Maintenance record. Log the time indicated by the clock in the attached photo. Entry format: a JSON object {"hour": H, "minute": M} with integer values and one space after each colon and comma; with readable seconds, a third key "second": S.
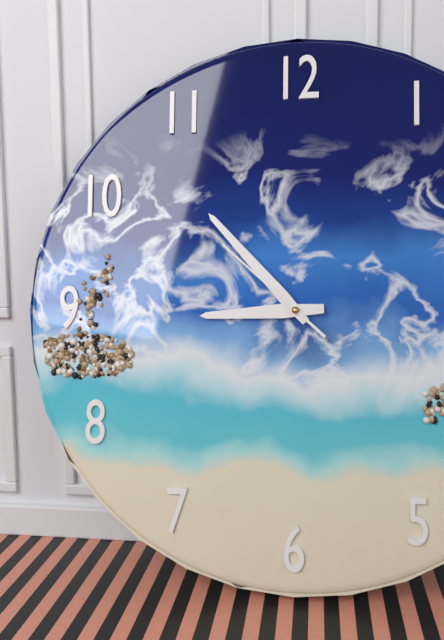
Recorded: {"hour": 8, "minute": 53, "second": 52}
